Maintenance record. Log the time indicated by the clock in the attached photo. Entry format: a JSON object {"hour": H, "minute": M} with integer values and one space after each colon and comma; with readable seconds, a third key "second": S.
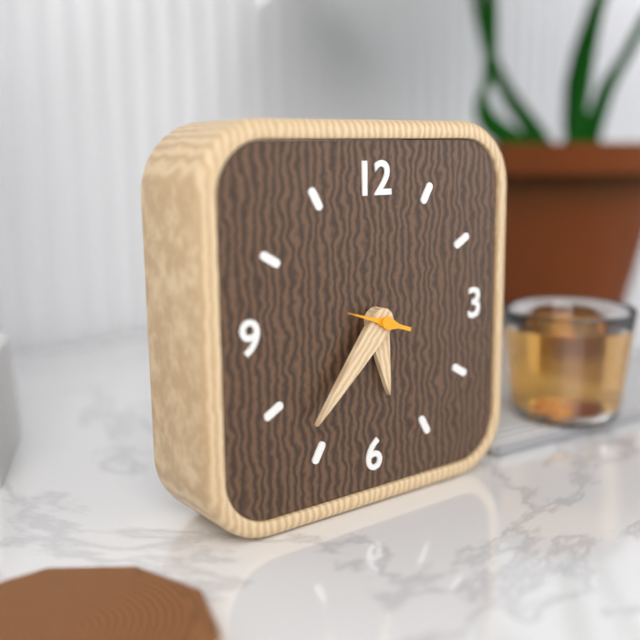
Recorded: {"hour": 5, "minute": 37, "second": 48}
